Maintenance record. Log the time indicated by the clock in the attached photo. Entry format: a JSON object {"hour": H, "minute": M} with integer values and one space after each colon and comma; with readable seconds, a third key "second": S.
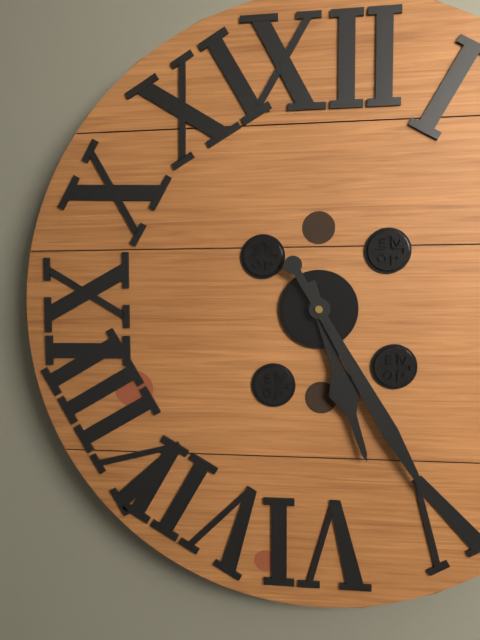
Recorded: {"hour": 5, "minute": 25}
